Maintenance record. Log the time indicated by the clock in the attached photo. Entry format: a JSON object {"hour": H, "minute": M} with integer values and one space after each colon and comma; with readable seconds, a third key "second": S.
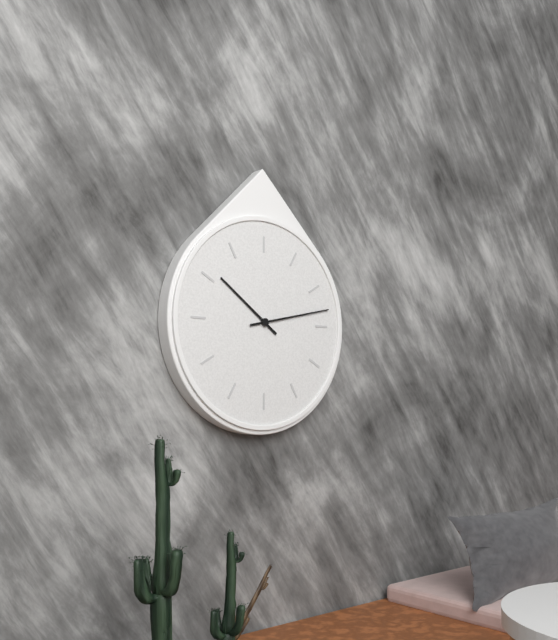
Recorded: {"hour": 10, "minute": 13}
